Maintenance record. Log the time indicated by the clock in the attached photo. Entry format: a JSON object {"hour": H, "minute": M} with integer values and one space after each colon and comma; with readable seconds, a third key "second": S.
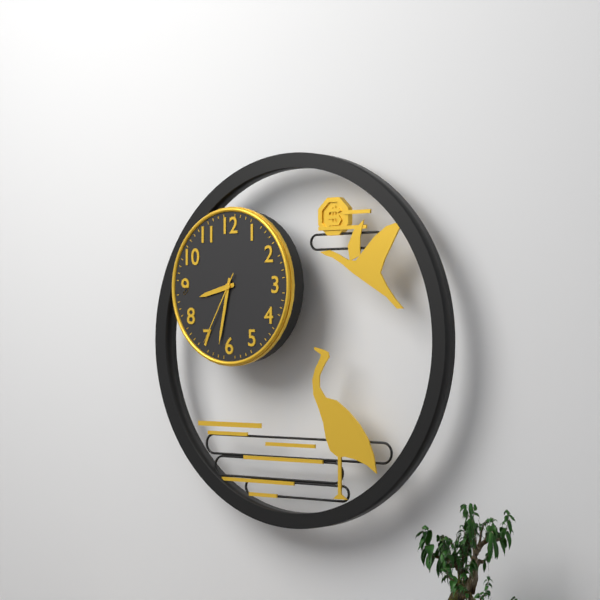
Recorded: {"hour": 8, "minute": 32, "second": 35}
